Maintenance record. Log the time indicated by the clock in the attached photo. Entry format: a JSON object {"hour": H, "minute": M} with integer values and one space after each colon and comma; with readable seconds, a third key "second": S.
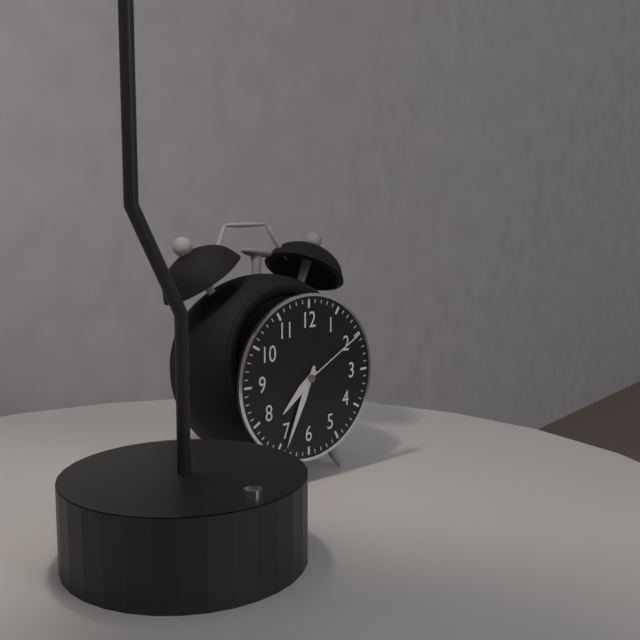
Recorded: {"hour": 7, "minute": 34, "second": 10}
